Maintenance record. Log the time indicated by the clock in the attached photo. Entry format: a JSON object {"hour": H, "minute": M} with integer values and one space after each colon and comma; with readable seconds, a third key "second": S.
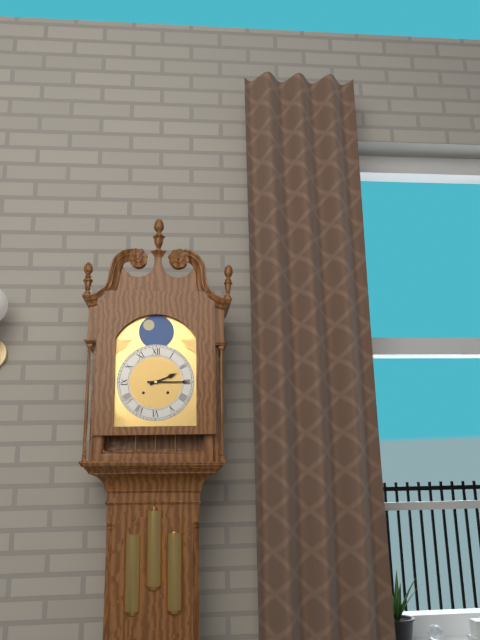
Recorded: {"hour": 2, "minute": 15}
